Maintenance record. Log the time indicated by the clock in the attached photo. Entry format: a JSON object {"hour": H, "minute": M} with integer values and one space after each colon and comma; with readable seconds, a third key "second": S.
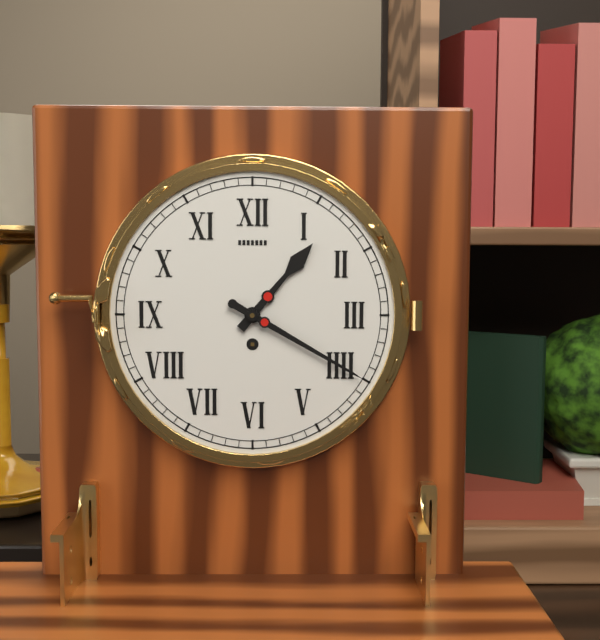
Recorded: {"hour": 1, "minute": 20}
